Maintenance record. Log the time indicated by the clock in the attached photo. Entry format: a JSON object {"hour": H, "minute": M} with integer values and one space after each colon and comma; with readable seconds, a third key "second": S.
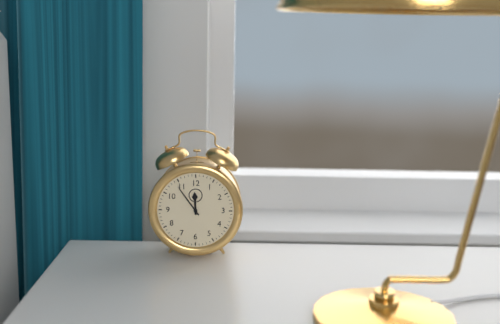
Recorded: {"hour": 11, "minute": 54}
